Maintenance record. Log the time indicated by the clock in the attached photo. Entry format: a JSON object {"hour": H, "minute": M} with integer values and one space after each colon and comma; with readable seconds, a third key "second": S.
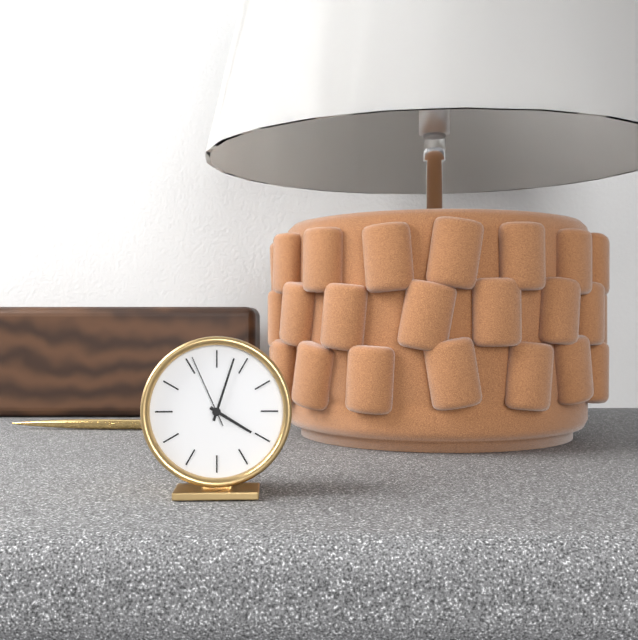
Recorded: {"hour": 4, "minute": 3, "second": 56}
